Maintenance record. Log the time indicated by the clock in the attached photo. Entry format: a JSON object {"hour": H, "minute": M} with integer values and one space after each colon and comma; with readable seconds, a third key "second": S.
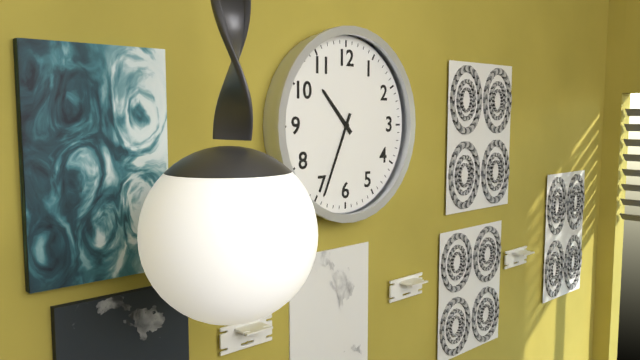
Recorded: {"hour": 10, "minute": 34}
